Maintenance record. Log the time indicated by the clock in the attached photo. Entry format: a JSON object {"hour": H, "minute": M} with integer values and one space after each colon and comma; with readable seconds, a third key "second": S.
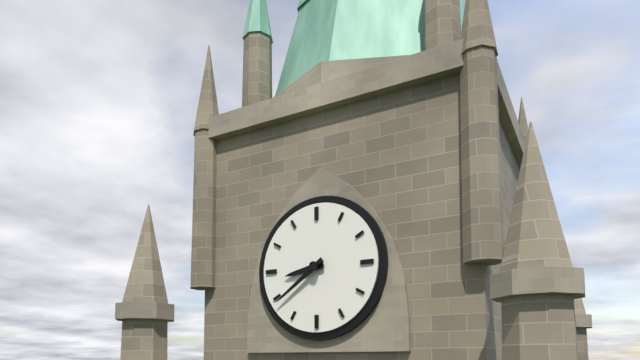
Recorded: {"hour": 8, "minute": 39}
